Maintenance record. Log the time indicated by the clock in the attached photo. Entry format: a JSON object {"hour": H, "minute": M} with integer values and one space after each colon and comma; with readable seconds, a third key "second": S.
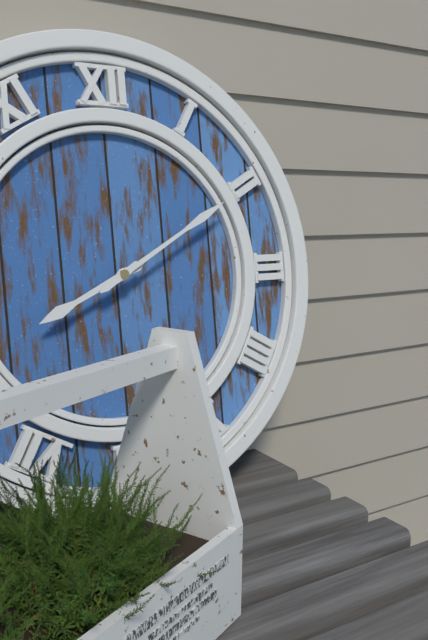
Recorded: {"hour": 8, "minute": 10}
